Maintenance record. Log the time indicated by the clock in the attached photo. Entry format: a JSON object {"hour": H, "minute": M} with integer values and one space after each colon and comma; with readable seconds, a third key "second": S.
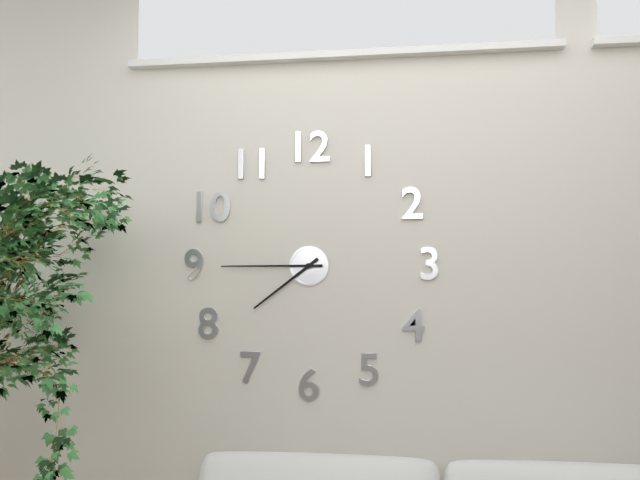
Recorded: {"hour": 7, "minute": 45}
